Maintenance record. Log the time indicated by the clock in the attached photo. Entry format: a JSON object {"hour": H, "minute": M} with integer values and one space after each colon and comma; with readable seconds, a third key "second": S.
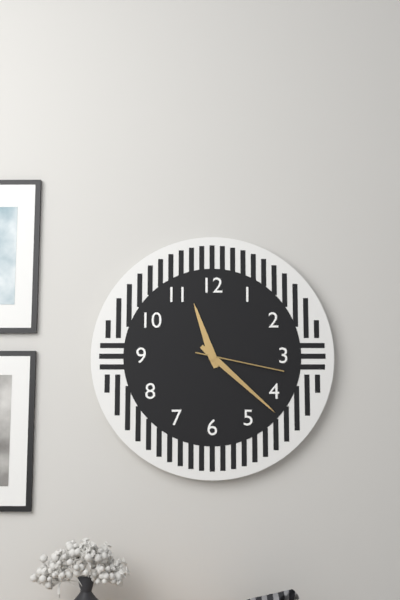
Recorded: {"hour": 11, "minute": 22, "second": 17}
